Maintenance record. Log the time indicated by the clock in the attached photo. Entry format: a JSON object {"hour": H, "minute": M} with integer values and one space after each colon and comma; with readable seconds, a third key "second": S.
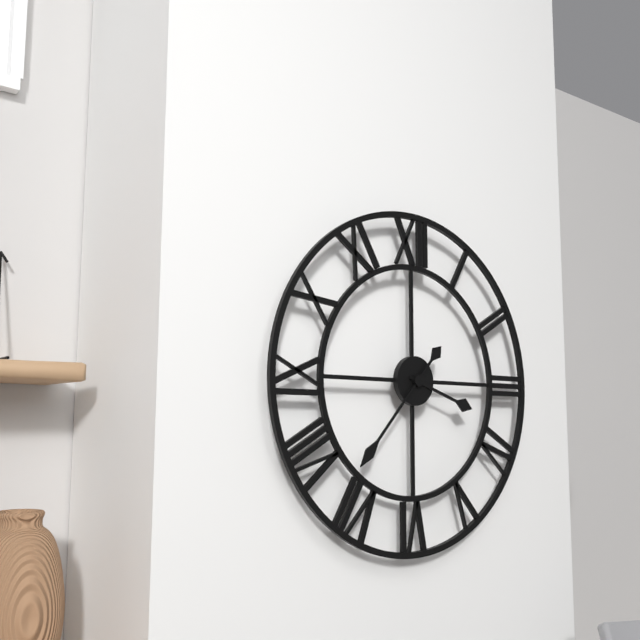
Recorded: {"hour": 3, "minute": 37}
